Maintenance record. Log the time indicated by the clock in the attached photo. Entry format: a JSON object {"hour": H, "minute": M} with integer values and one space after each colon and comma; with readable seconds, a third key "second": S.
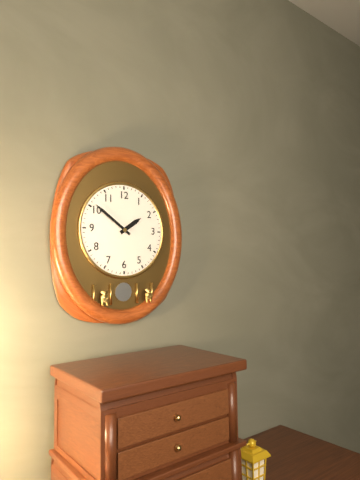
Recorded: {"hour": 1, "minute": 51}
